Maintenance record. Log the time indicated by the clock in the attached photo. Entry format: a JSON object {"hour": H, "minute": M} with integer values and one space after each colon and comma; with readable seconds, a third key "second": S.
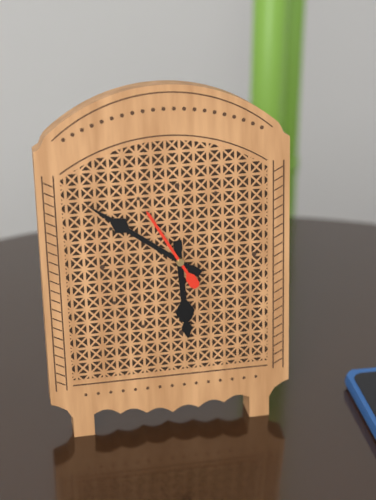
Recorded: {"hour": 5, "minute": 51, "second": 55}
